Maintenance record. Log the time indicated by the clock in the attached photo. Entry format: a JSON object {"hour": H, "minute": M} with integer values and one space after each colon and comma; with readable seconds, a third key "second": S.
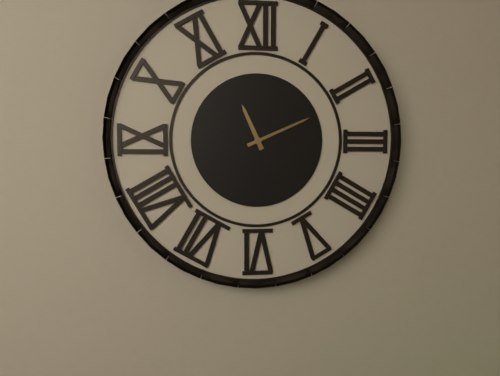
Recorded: {"hour": 11, "minute": 11}
